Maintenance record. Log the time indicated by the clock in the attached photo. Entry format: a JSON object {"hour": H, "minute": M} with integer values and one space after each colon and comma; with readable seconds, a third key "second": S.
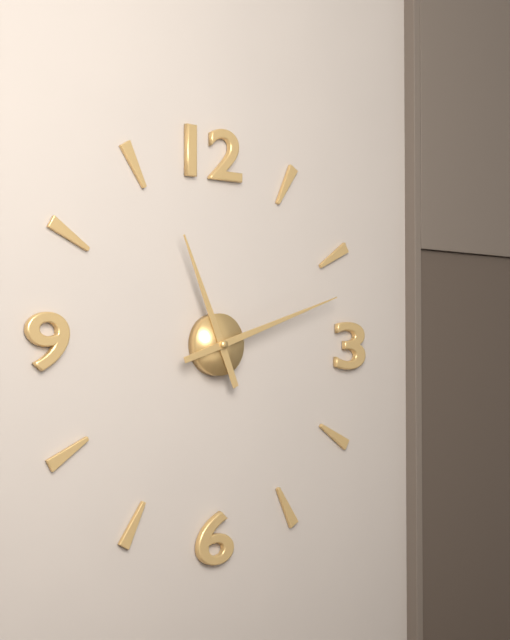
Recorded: {"hour": 11, "minute": 12}
